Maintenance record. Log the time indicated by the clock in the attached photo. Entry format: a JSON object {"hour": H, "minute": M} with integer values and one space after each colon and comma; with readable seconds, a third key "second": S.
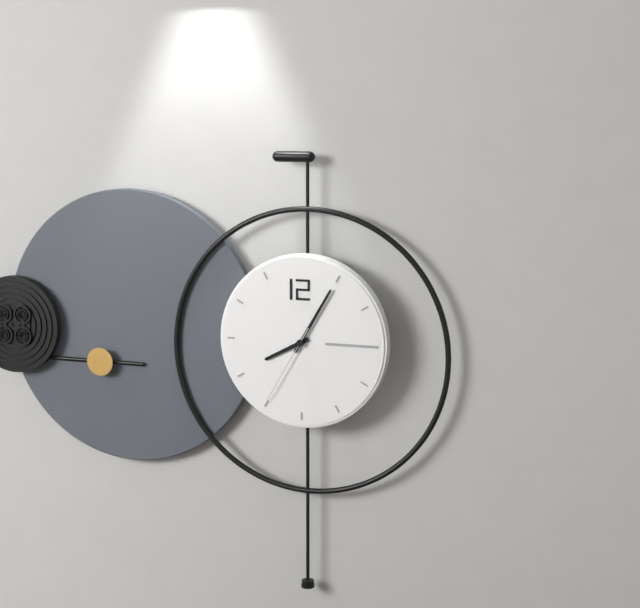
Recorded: {"hour": 8, "minute": 5, "second": 35}
